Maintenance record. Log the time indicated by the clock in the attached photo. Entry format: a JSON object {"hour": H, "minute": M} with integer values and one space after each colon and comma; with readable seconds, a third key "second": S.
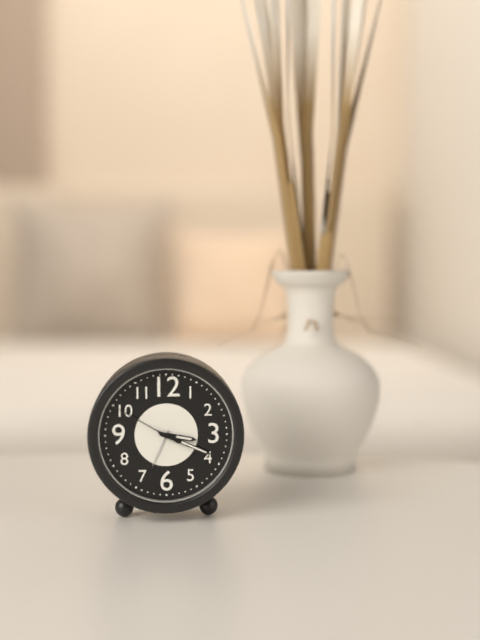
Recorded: {"hour": 3, "minute": 19, "second": 50}
